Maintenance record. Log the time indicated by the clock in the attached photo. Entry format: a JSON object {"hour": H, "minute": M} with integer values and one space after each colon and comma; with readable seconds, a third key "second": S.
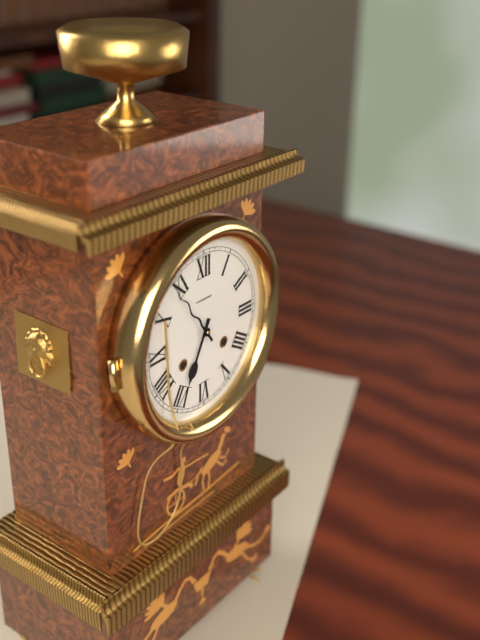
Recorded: {"hour": 6, "minute": 54}
